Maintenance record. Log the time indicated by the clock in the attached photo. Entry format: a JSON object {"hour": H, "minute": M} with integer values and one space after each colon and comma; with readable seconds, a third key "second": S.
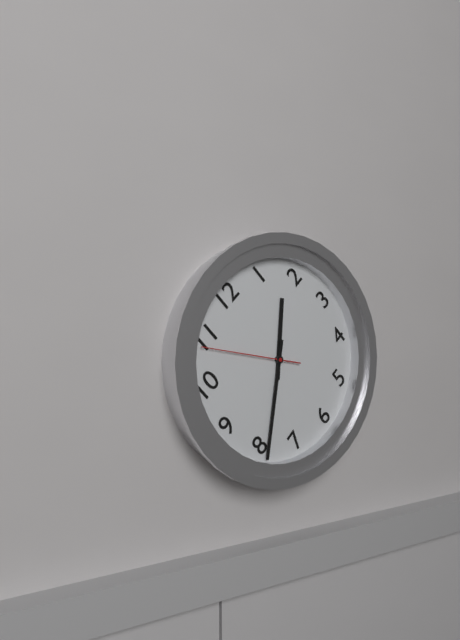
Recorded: {"hour": 1, "minute": 39, "second": 54}
